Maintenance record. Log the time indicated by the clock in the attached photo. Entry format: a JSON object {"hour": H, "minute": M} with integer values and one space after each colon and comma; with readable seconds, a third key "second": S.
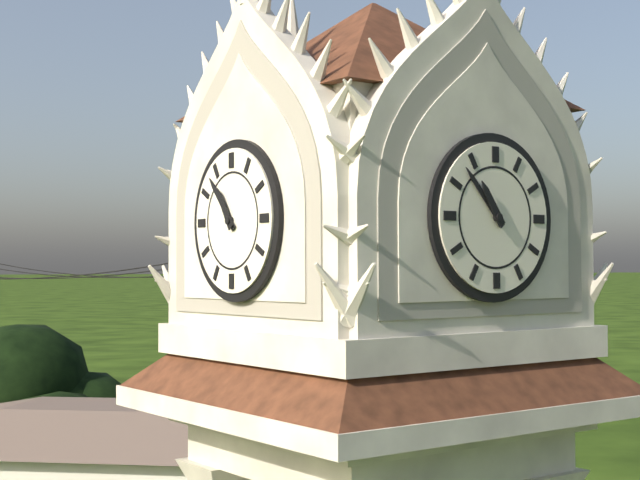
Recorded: {"hour": 10, "minute": 53}
